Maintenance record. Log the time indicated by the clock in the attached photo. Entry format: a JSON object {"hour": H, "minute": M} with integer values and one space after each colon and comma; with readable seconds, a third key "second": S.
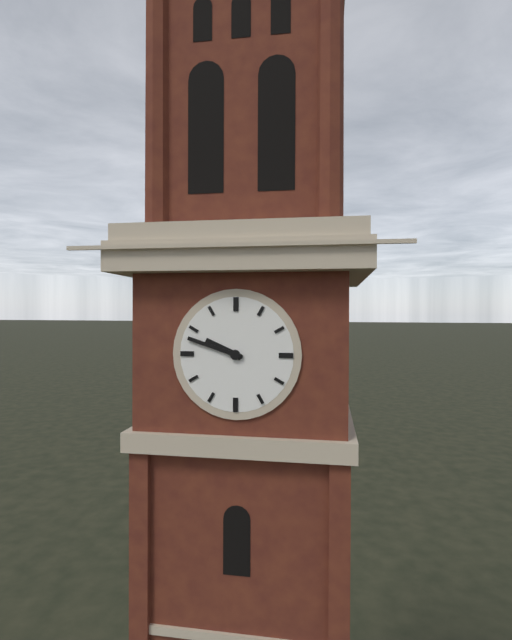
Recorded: {"hour": 9, "minute": 48}
